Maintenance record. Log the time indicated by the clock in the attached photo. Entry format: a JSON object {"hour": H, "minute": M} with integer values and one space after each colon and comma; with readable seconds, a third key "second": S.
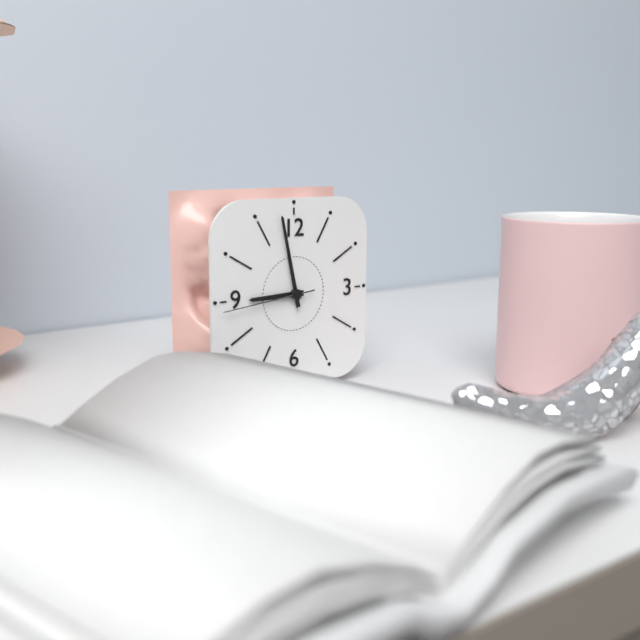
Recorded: {"hour": 8, "minute": 58, "second": 44}
